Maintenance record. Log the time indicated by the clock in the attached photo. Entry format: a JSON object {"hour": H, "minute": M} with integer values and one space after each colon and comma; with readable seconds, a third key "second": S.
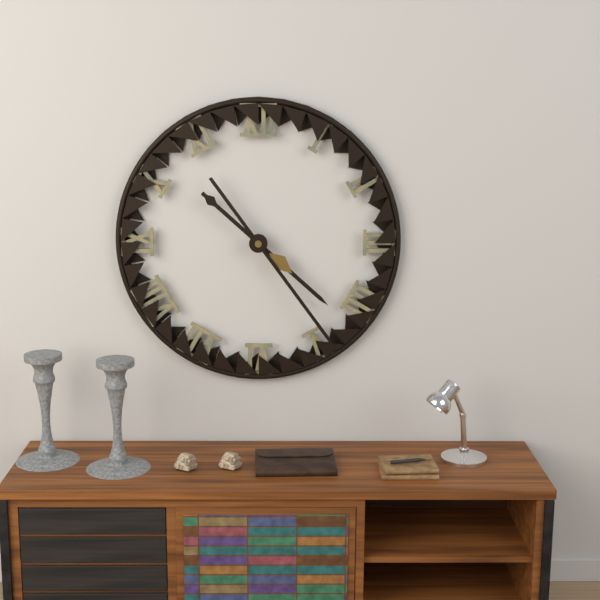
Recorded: {"hour": 4, "minute": 24}
